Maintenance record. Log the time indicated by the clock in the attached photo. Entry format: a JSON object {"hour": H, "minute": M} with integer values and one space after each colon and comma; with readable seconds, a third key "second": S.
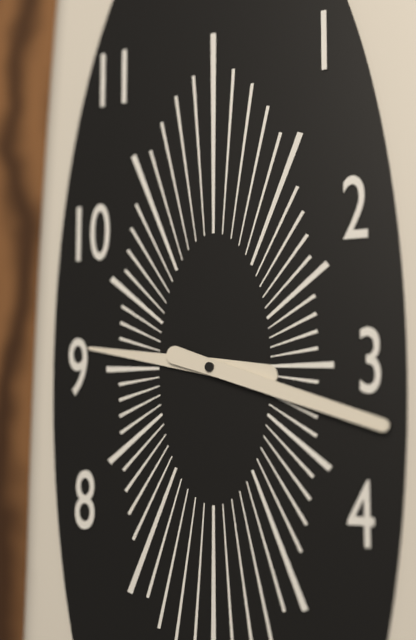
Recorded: {"hour": 9, "minute": 18}
